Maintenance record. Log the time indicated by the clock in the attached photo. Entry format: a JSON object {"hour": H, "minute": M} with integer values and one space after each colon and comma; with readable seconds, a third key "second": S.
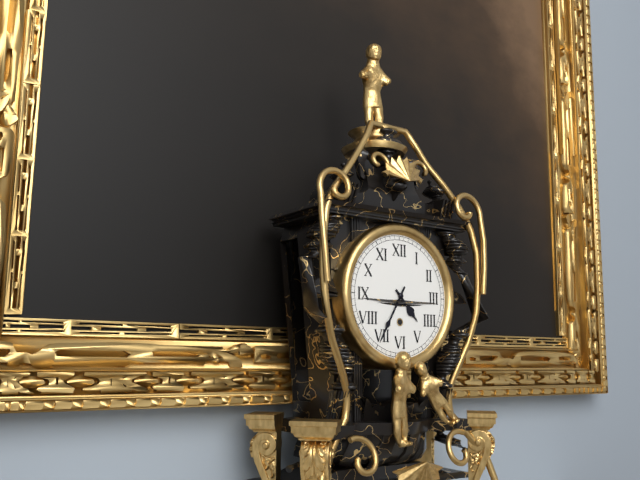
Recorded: {"hour": 4, "minute": 35}
